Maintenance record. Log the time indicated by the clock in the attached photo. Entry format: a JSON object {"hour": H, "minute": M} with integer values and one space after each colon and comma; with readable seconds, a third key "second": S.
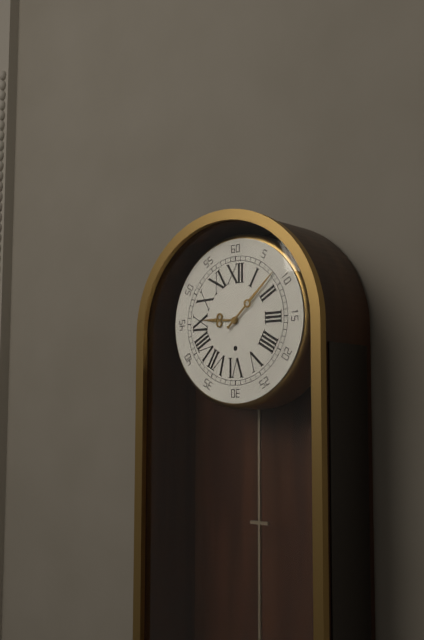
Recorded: {"hour": 9, "minute": 8}
